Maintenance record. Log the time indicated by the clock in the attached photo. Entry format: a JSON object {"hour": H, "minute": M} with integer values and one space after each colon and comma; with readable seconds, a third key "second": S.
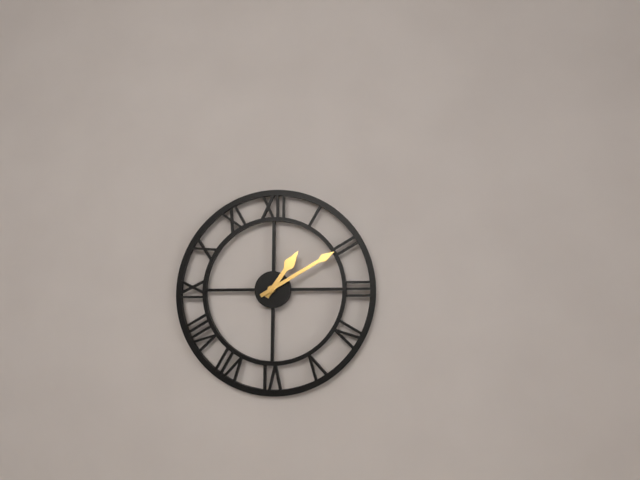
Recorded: {"hour": 1, "minute": 10}
